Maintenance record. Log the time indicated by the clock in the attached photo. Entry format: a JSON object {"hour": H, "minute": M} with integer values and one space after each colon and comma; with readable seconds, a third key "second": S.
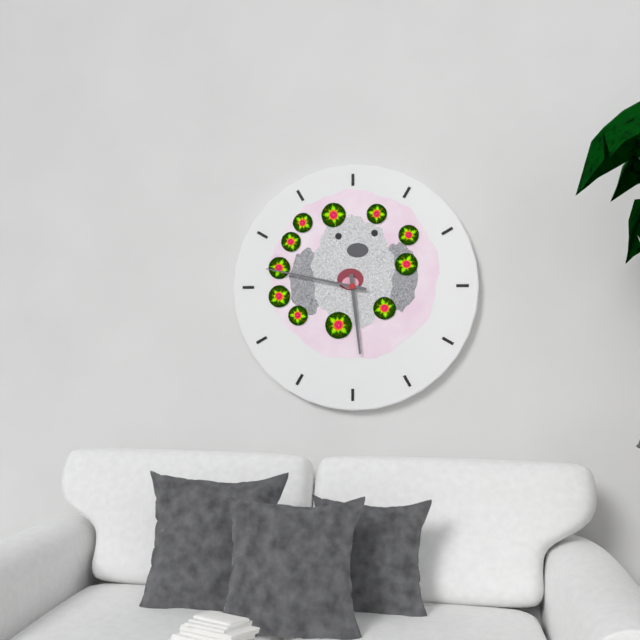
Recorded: {"hour": 5, "minute": 47}
